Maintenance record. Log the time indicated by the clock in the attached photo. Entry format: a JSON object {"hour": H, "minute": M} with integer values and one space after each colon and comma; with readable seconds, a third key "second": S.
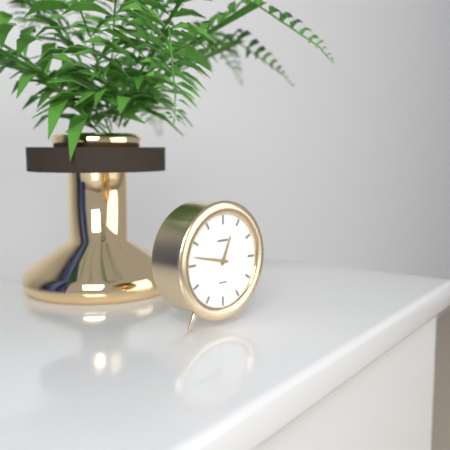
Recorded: {"hour": 12, "minute": 47}
